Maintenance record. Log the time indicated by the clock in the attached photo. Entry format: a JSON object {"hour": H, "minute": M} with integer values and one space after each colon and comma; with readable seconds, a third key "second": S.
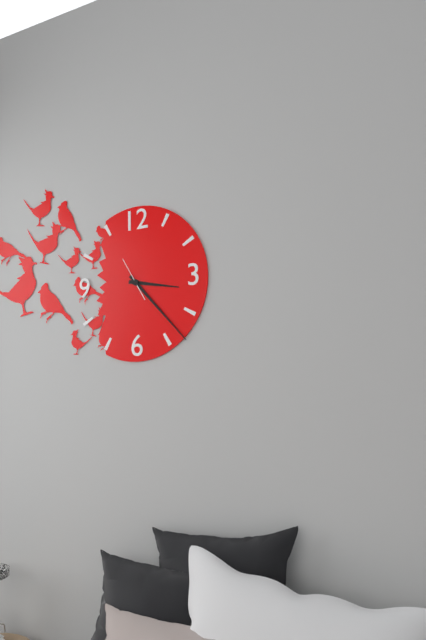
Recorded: {"hour": 3, "minute": 23}
